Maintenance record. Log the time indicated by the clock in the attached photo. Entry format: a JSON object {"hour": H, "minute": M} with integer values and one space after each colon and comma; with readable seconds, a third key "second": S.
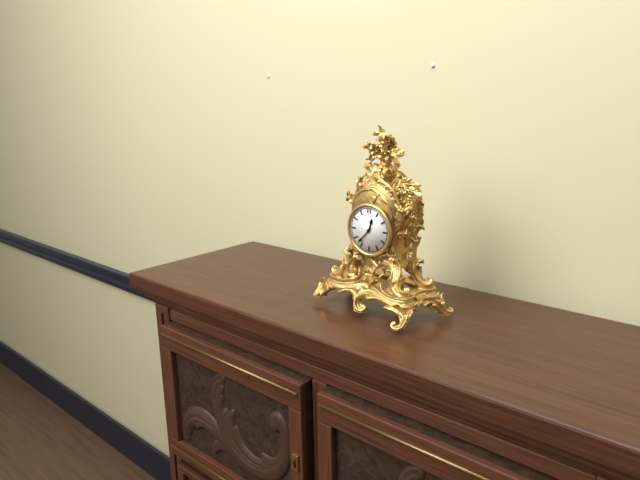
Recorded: {"hour": 12, "minute": 37}
